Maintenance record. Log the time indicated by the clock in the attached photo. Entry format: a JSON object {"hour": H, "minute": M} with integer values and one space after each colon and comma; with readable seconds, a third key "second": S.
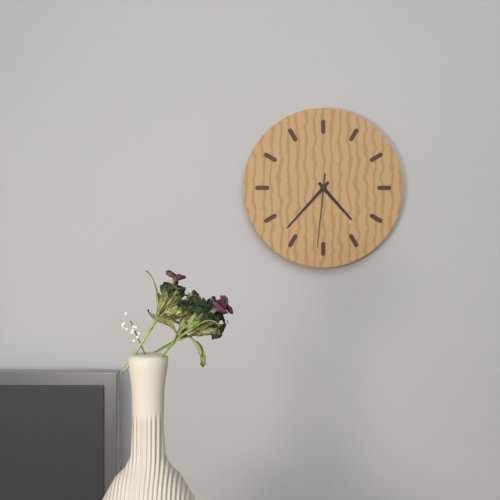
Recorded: {"hour": 4, "minute": 37, "second": 31}
